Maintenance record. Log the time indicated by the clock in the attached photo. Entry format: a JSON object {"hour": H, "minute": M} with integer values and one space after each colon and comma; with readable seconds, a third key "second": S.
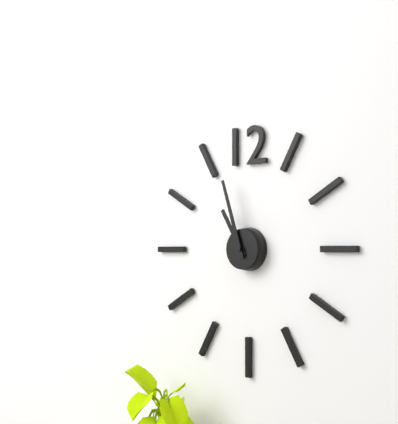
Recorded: {"hour": 10, "minute": 57}
